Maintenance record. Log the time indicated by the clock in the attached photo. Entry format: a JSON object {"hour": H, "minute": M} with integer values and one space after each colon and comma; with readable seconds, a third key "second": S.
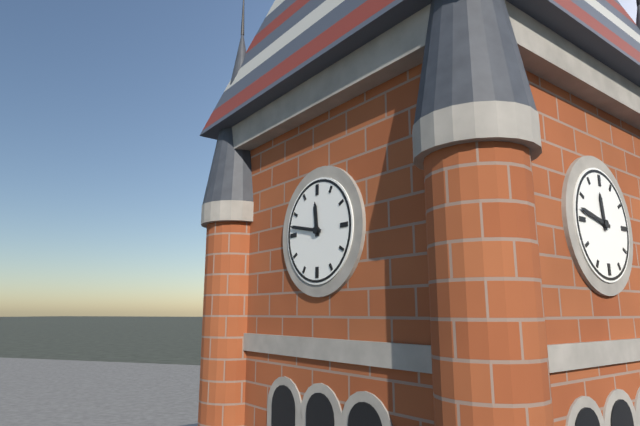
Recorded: {"hour": 11, "minute": 47}
